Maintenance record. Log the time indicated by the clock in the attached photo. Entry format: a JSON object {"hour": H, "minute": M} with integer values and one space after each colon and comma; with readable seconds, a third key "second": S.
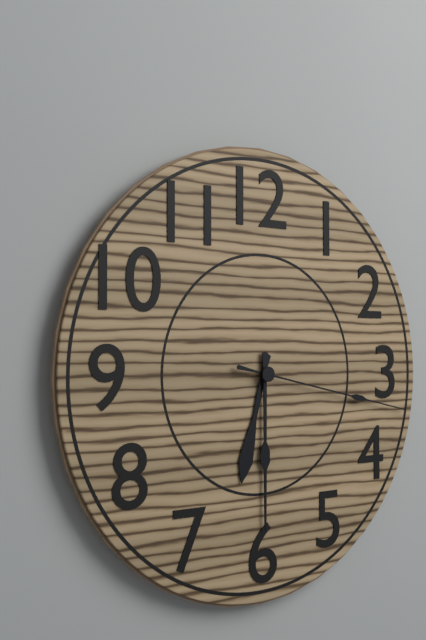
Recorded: {"hour": 6, "minute": 30, "second": 17}
